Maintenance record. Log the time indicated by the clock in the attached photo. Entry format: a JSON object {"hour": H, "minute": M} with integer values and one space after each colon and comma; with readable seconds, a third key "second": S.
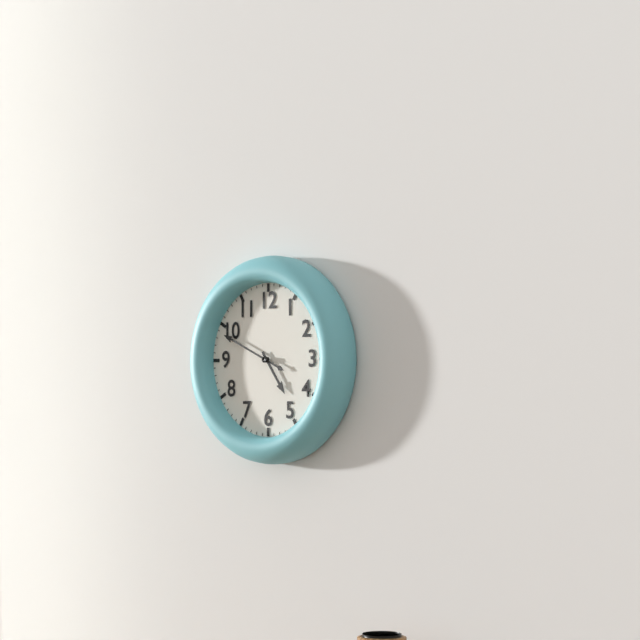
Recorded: {"hour": 4, "minute": 49}
